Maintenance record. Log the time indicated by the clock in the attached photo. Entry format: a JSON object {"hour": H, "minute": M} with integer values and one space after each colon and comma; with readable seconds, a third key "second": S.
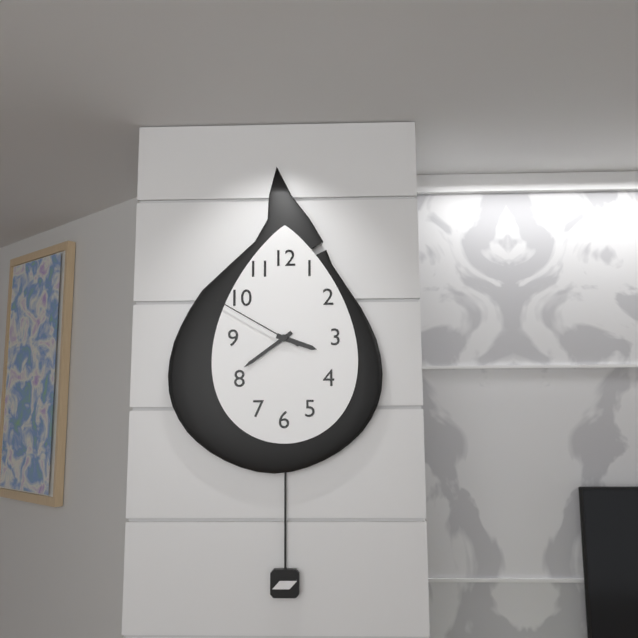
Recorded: {"hour": 3, "minute": 39, "second": 50}
